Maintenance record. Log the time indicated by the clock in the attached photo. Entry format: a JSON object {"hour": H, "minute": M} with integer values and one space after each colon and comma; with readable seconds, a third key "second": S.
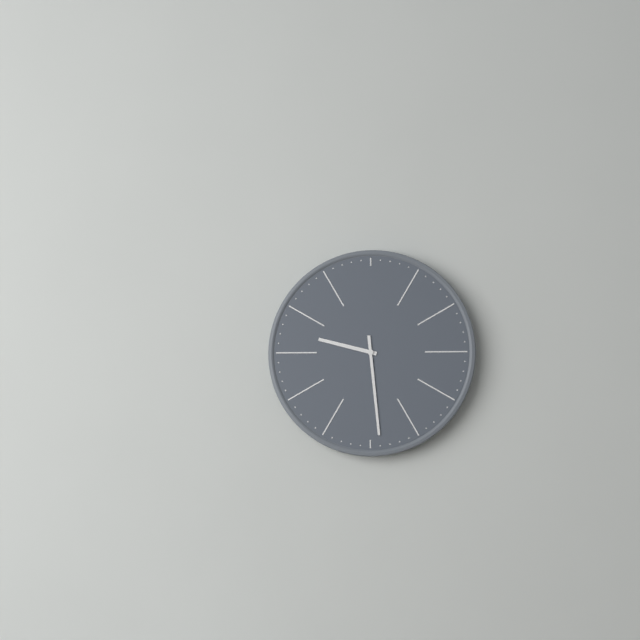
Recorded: {"hour": 9, "minute": 29}
